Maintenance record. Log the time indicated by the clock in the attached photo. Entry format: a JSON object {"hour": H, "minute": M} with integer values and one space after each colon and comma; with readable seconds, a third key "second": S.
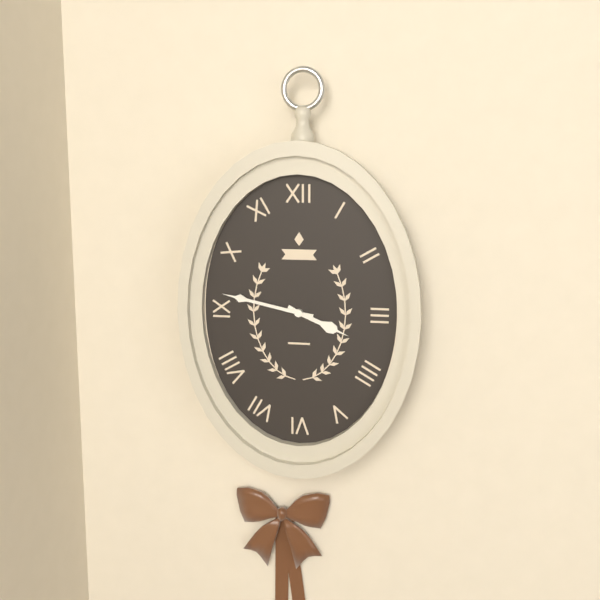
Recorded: {"hour": 3, "minute": 47}
